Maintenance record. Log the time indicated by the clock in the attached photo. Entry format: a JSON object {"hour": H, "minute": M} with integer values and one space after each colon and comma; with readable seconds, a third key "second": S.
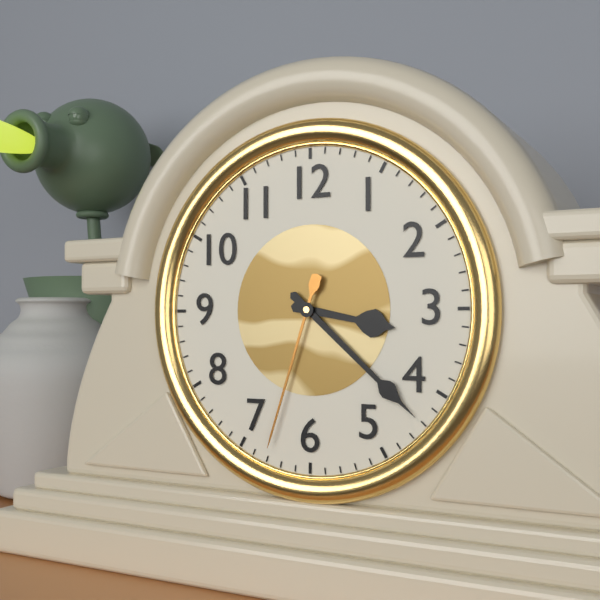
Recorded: {"hour": 3, "minute": 22, "second": 33}
